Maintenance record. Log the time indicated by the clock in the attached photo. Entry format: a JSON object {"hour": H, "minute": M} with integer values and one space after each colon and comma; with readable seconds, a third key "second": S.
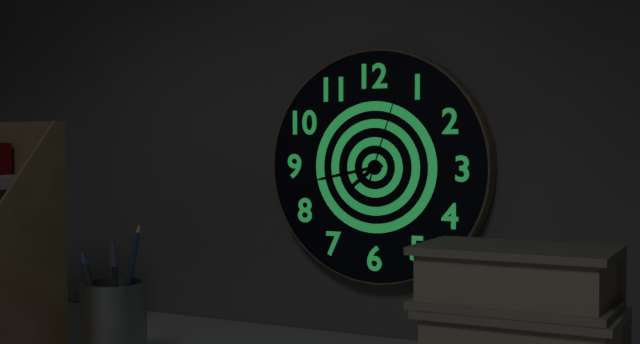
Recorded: {"hour": 7, "minute": 43, "second": 3}
